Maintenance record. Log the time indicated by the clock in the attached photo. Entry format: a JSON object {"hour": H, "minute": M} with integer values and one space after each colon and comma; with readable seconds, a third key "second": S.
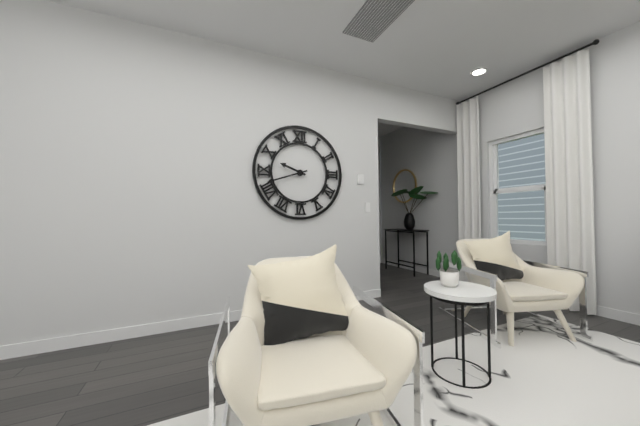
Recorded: {"hour": 9, "minute": 42}
